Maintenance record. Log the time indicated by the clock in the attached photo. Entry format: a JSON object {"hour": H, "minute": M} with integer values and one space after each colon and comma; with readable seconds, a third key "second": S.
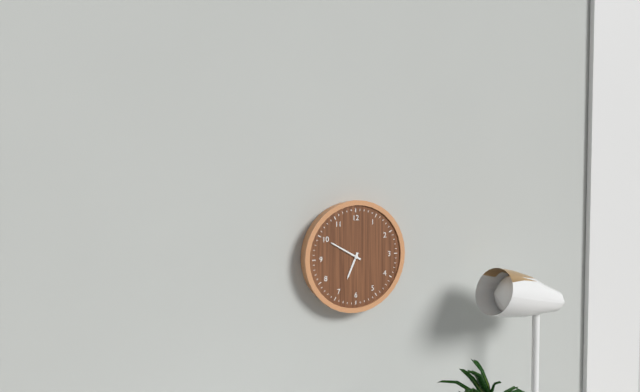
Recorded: {"hour": 6, "minute": 50}
